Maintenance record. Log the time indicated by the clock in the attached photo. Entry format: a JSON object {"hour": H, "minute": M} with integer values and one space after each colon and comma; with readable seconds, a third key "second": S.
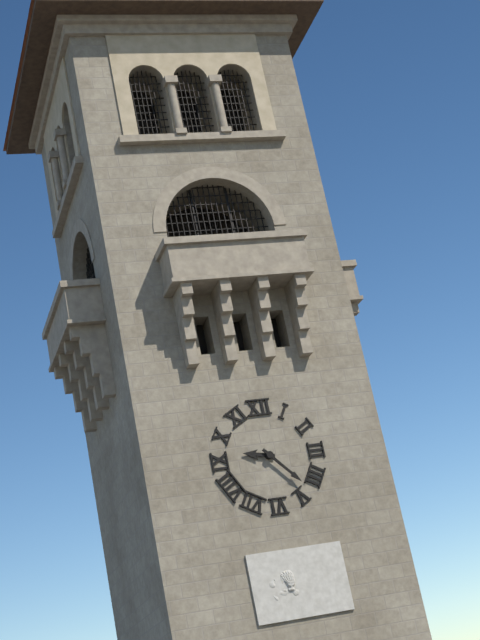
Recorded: {"hour": 9, "minute": 23}
